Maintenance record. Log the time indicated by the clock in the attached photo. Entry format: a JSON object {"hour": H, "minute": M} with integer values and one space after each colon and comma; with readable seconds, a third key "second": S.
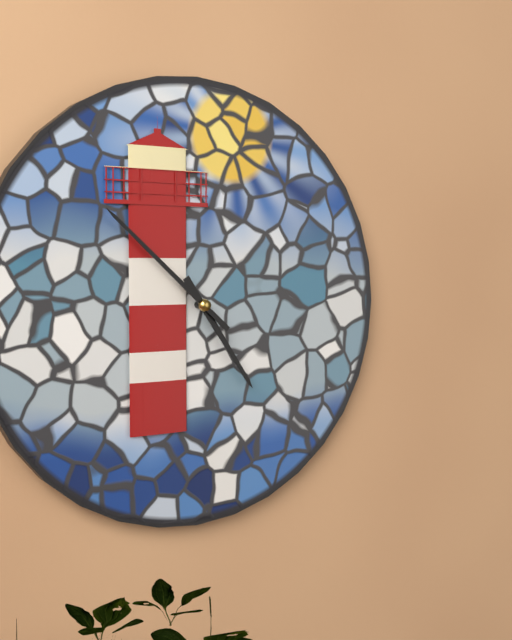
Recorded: {"hour": 4, "minute": 52}
